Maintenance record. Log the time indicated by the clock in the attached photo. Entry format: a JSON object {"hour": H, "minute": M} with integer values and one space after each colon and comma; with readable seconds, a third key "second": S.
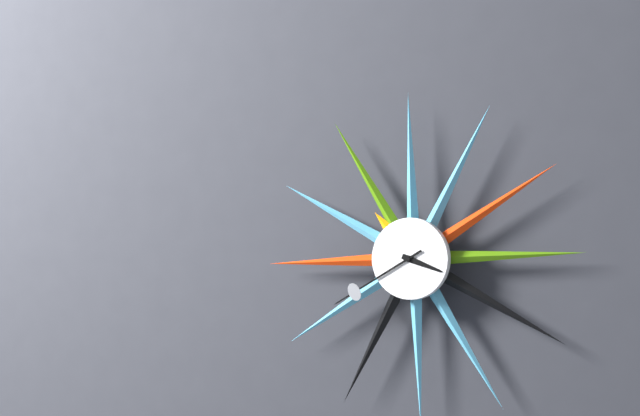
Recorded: {"hour": 3, "minute": 40}
